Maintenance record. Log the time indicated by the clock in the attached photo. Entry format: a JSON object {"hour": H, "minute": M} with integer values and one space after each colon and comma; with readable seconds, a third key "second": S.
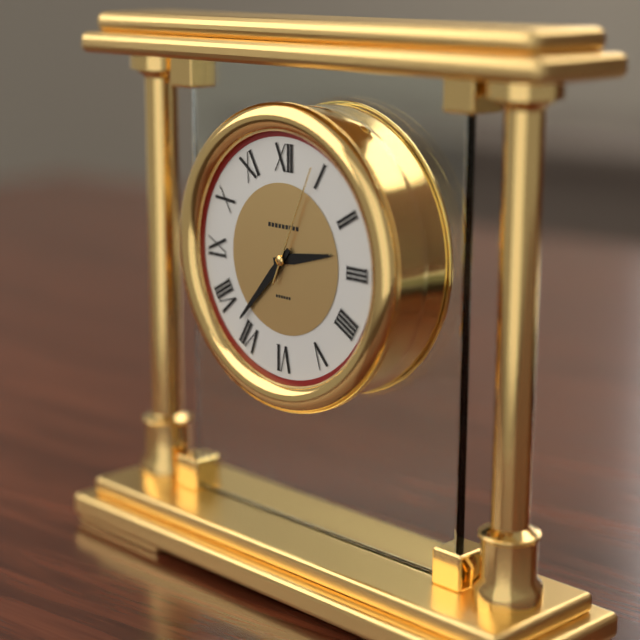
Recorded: {"hour": 2, "minute": 37, "second": 4}
